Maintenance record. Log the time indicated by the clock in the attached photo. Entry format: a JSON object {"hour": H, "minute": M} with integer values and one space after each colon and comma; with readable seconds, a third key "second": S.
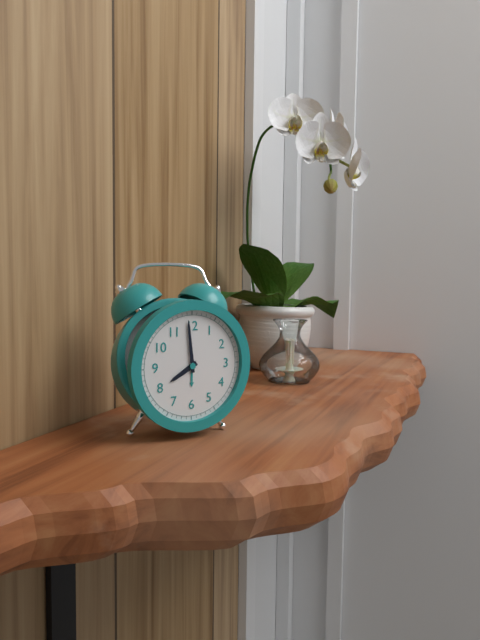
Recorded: {"hour": 7, "minute": 59}
